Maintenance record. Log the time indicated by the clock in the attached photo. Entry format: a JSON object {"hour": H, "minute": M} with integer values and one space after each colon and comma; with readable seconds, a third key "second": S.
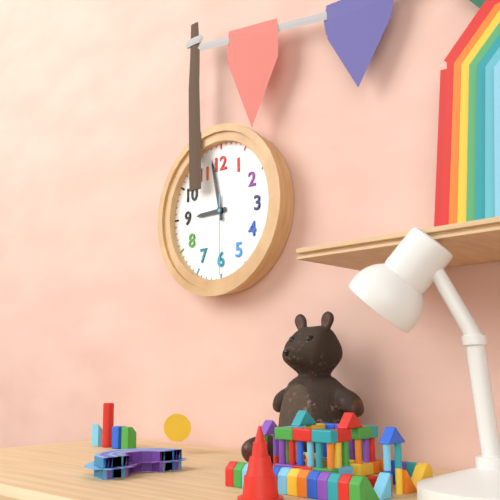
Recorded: {"hour": 8, "minute": 58, "second": 30}
